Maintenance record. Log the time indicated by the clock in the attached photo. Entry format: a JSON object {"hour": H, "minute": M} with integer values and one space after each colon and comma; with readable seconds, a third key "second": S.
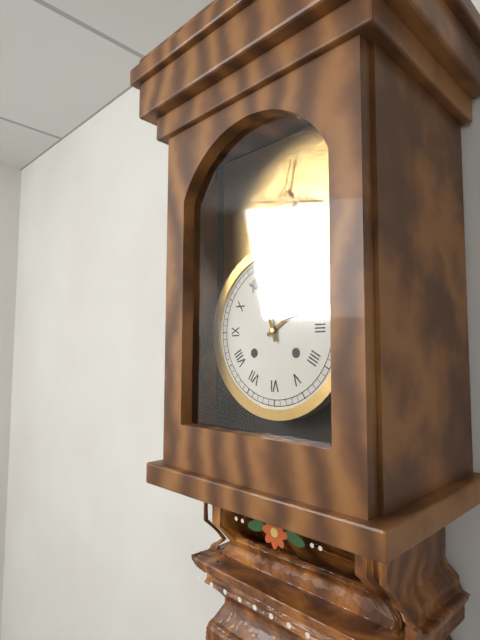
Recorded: {"hour": 1, "minute": 57}
